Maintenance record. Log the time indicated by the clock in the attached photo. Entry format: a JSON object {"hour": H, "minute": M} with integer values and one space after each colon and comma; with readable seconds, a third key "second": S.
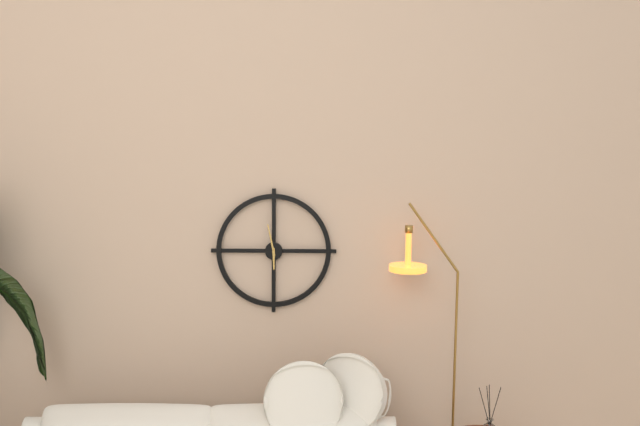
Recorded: {"hour": 5, "minute": 58}
